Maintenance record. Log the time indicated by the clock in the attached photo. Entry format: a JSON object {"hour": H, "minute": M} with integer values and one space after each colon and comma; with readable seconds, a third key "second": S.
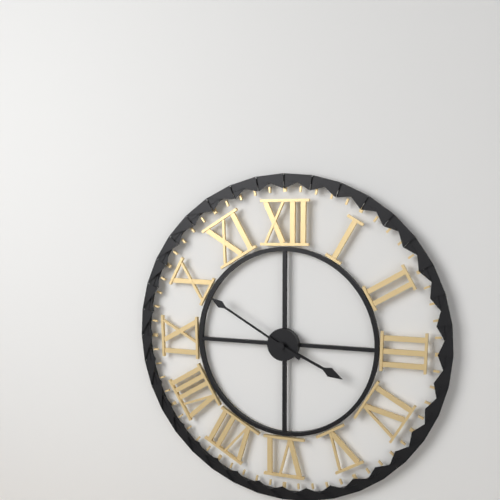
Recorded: {"hour": 3, "minute": 50}
